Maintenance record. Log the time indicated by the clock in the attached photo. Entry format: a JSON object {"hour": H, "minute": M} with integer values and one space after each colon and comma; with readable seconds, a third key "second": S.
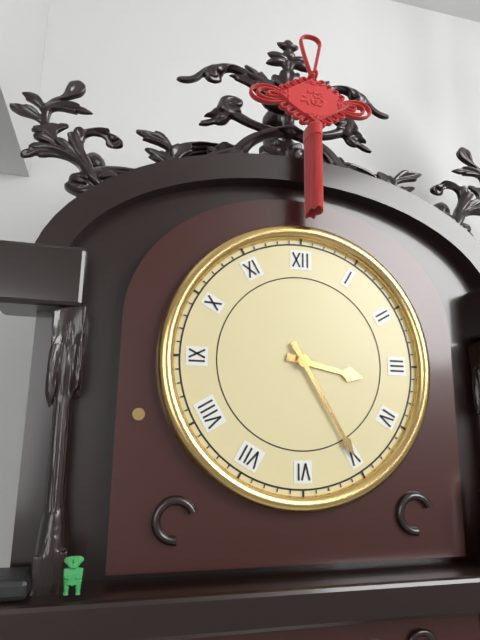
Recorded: {"hour": 3, "minute": 25}
